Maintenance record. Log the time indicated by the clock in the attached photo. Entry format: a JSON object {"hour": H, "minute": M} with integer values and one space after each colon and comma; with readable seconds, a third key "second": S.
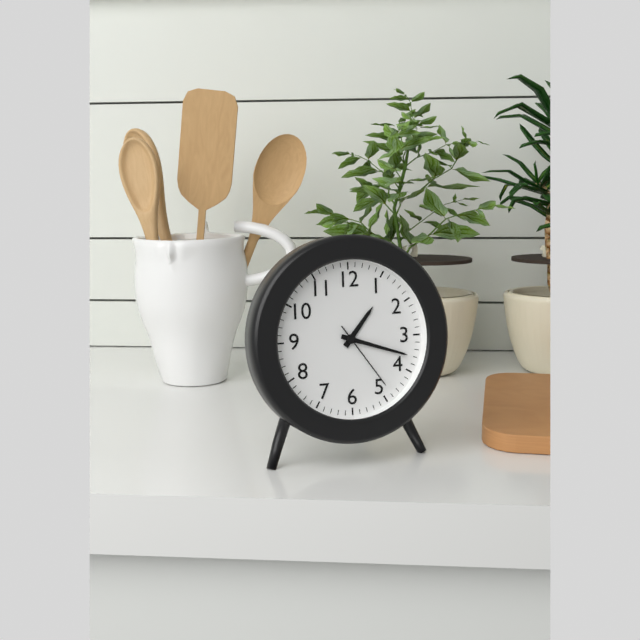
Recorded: {"hour": 1, "minute": 18, "second": 24}
